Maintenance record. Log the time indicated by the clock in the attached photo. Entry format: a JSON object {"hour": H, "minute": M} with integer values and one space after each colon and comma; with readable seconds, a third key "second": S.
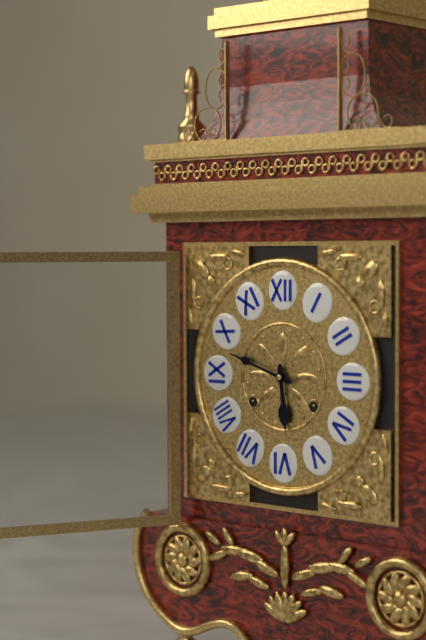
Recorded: {"hour": 5, "minute": 48}
